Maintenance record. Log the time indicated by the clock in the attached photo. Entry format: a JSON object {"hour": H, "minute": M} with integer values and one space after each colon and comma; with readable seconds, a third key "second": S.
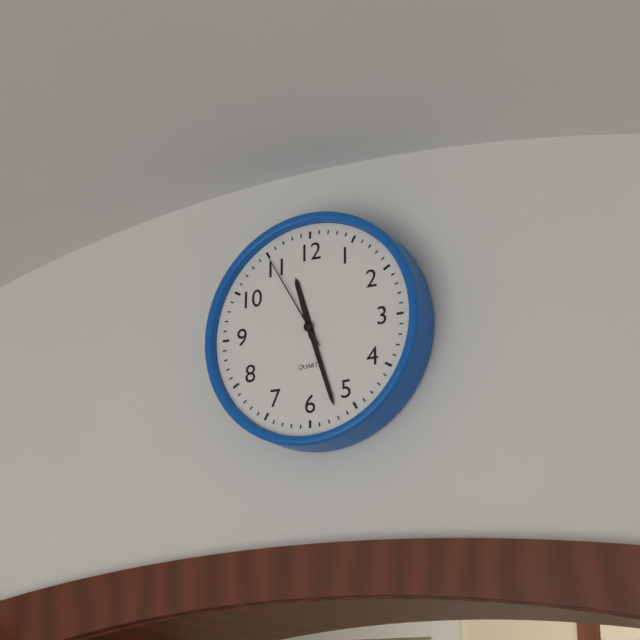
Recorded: {"hour": 11, "minute": 27, "second": 55}
